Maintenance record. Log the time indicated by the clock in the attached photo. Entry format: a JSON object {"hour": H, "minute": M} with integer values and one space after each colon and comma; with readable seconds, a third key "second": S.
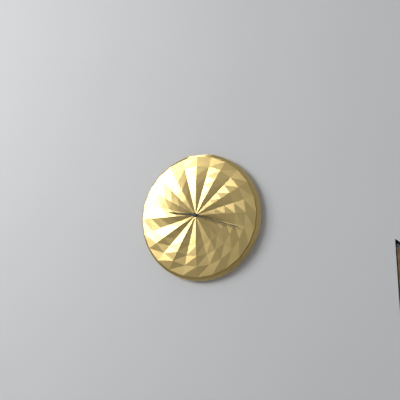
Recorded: {"hour": 9, "minute": 18}
